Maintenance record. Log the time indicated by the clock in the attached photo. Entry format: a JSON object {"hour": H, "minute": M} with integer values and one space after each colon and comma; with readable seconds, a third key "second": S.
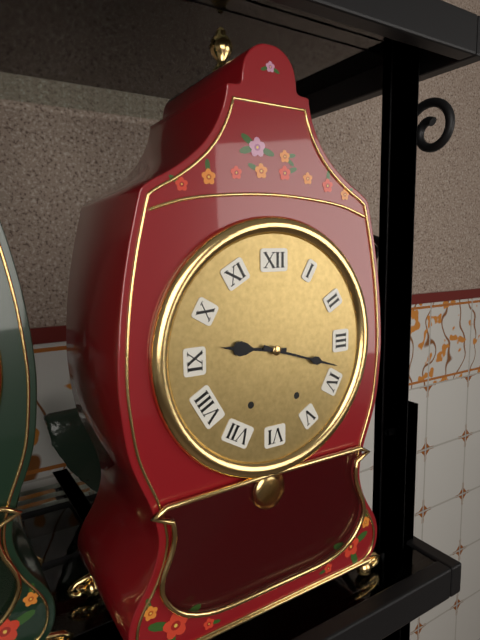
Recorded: {"hour": 9, "minute": 18}
